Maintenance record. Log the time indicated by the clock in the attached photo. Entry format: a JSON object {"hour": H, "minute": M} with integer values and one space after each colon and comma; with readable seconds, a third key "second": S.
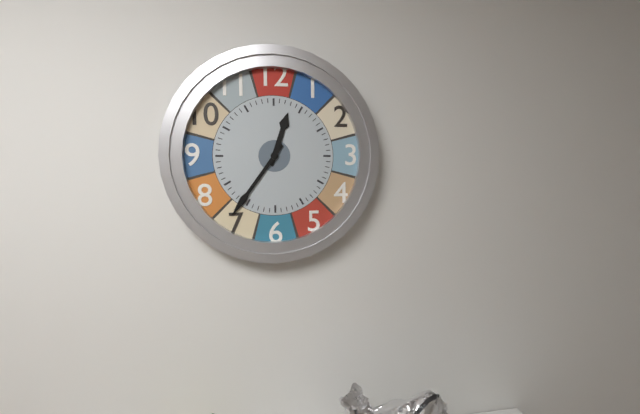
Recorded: {"hour": 12, "minute": 36}
